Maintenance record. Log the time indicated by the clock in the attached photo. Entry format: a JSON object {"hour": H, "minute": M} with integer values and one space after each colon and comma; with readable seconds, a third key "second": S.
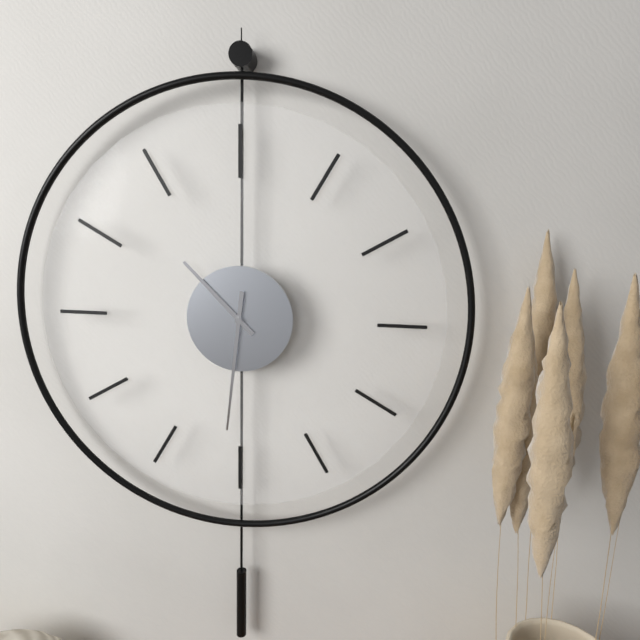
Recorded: {"hour": 10, "minute": 31}
